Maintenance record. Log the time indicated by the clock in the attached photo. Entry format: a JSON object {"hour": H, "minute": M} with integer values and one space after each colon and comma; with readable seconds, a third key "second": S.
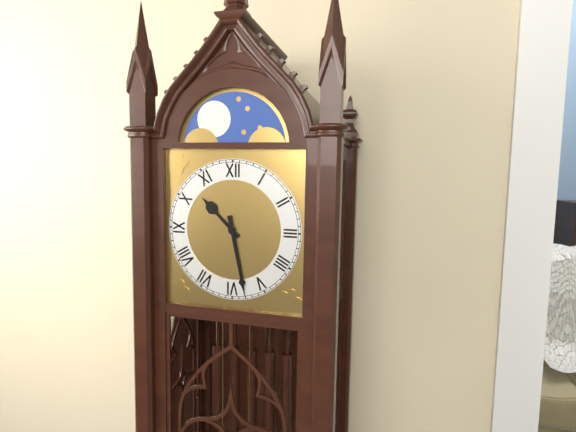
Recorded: {"hour": 10, "minute": 28}
